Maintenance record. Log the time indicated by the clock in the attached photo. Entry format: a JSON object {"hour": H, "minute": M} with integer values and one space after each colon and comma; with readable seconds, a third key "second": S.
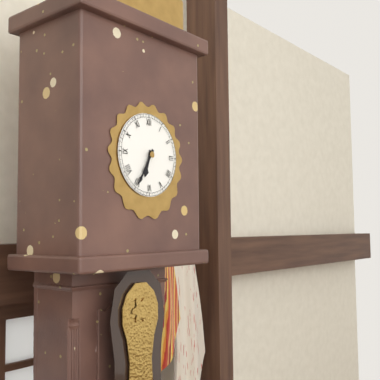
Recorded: {"hour": 6, "minute": 35}
